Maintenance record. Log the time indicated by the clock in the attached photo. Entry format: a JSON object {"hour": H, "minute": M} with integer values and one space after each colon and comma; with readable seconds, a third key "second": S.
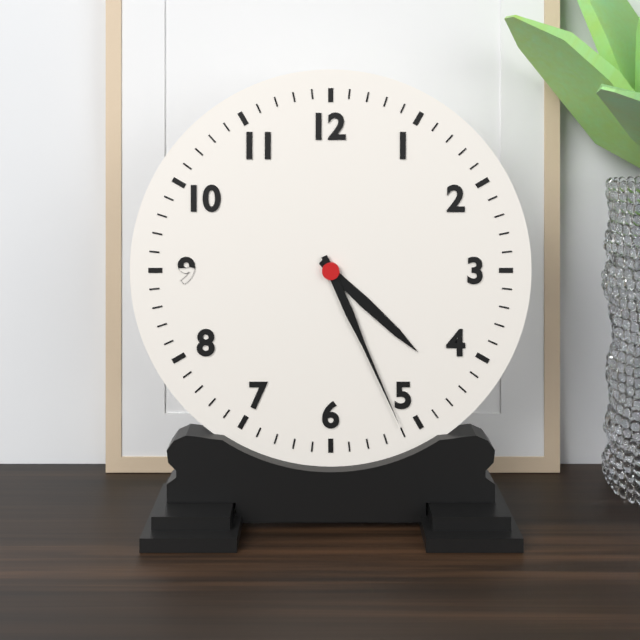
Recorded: {"hour": 4, "minute": 26}
